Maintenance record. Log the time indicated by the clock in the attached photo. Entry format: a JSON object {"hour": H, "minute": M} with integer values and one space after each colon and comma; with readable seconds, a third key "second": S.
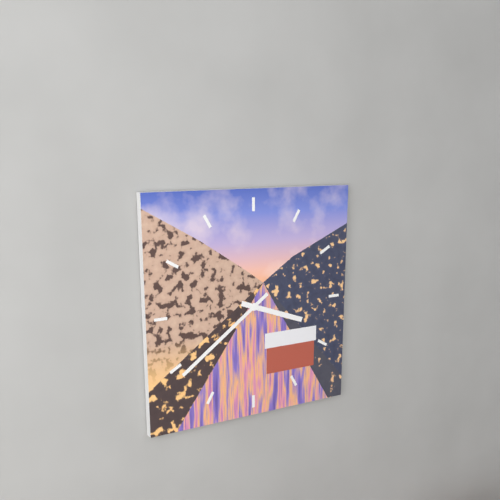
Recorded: {"hour": 3, "minute": 39}
